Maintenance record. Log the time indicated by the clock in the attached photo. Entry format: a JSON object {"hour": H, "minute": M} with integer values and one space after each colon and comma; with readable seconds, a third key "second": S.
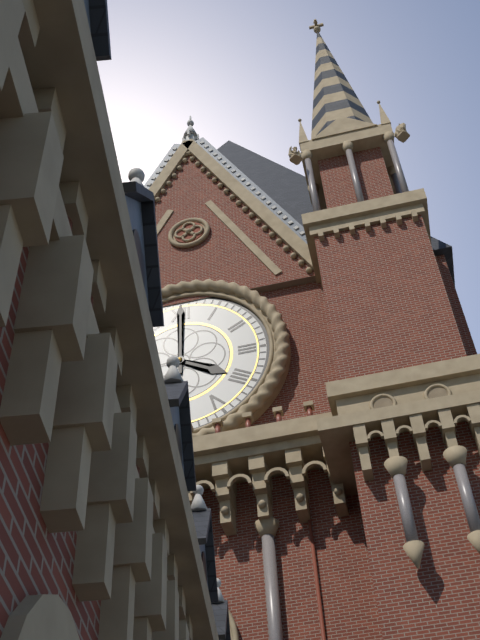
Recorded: {"hour": 4, "minute": 0}
